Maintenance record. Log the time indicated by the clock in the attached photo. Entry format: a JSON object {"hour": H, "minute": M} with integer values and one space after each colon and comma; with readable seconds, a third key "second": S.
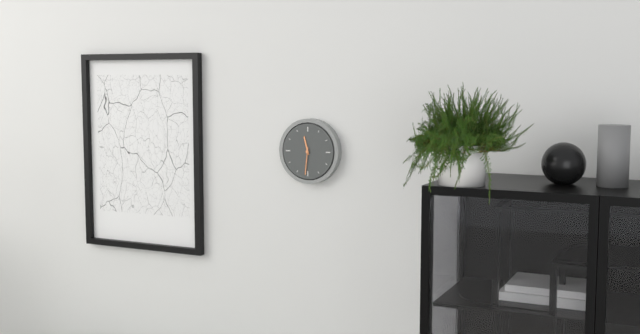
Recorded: {"hour": 11, "minute": 31}
